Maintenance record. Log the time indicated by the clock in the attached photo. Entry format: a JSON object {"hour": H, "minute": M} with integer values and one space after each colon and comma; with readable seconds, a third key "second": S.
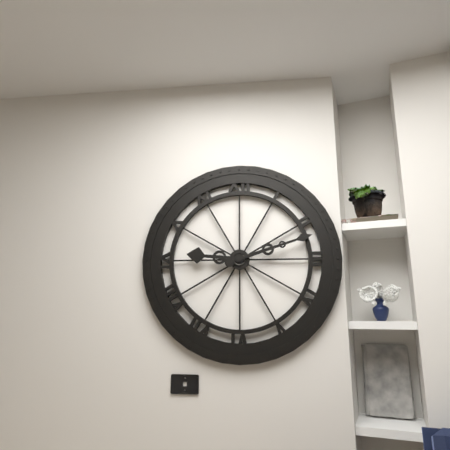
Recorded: {"hour": 9, "minute": 12}
